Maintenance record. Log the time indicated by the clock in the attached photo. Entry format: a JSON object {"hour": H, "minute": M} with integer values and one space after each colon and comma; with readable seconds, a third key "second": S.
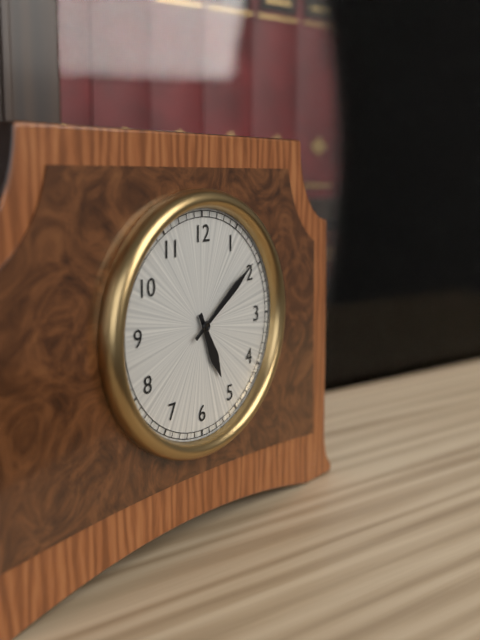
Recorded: {"hour": 5, "minute": 9}
